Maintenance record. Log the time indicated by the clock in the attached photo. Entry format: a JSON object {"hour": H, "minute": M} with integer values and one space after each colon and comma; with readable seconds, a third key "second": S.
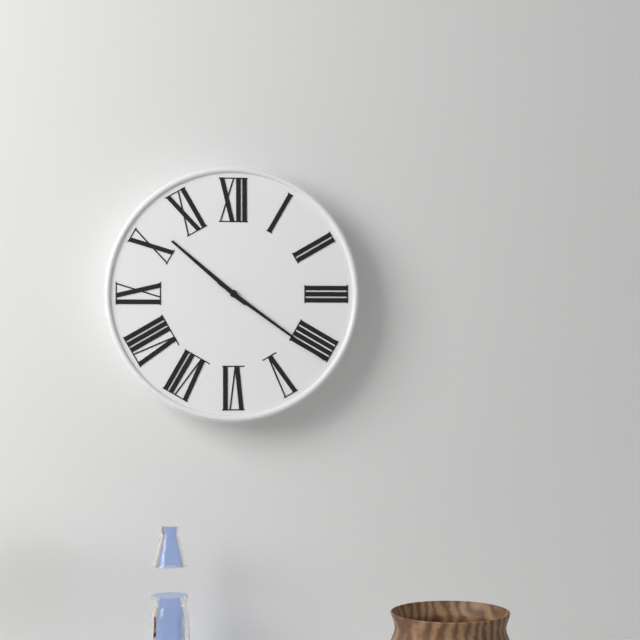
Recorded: {"hour": 10, "minute": 21}
